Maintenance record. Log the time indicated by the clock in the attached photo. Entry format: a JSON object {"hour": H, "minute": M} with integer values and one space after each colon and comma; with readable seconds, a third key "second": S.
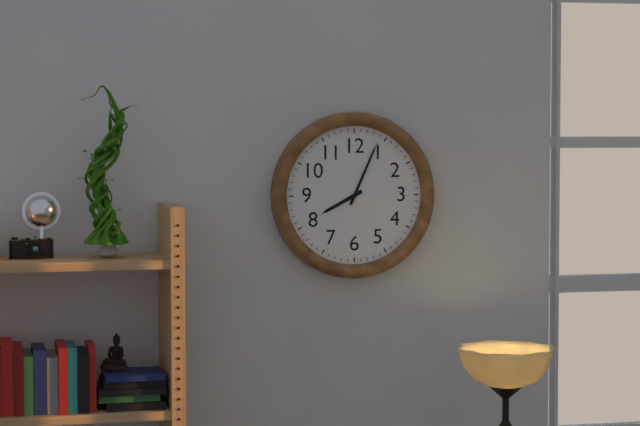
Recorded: {"hour": 8, "minute": 4}
